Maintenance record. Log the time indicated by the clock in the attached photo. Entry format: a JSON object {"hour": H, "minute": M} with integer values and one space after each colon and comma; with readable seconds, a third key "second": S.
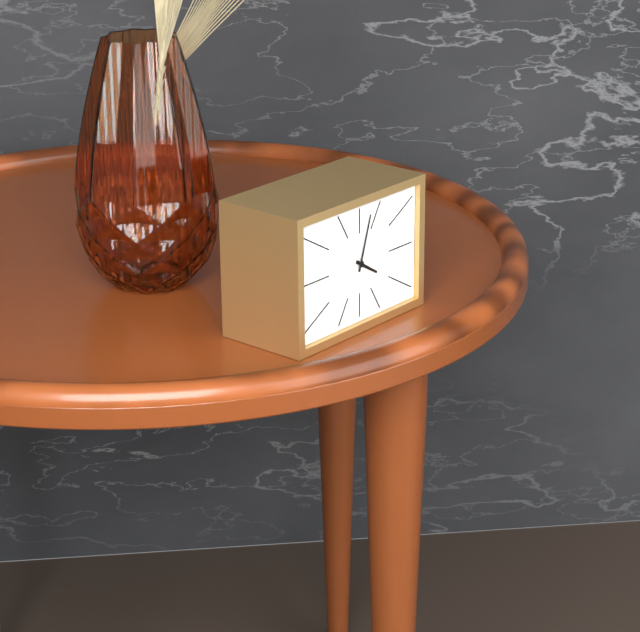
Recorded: {"hour": 4, "minute": 3}
